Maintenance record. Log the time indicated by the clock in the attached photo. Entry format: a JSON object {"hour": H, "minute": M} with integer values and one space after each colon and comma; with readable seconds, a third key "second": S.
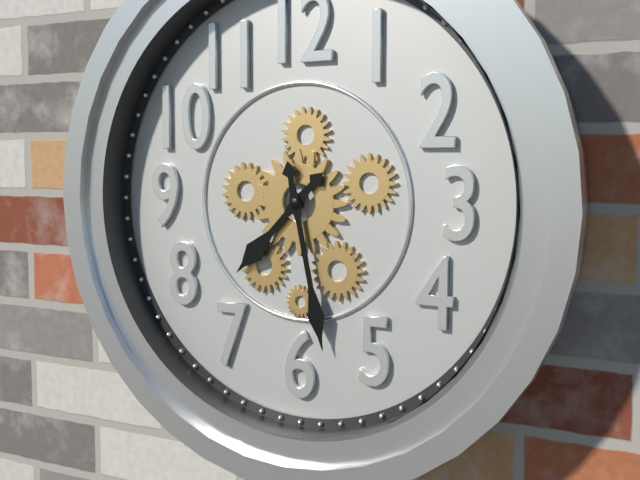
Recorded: {"hour": 7, "minute": 28}
